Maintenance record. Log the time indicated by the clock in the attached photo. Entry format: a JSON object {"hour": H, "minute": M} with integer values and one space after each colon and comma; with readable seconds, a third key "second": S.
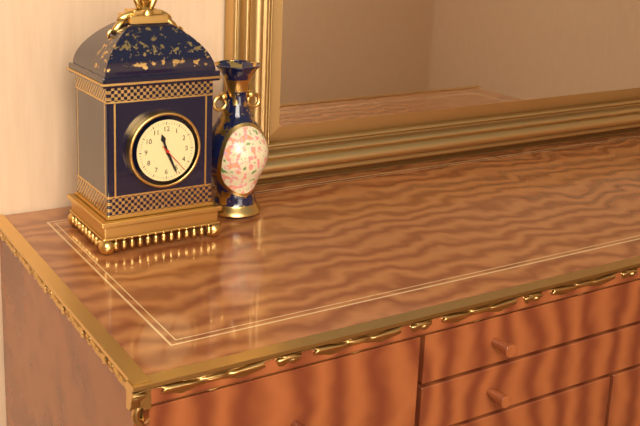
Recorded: {"hour": 11, "minute": 26}
